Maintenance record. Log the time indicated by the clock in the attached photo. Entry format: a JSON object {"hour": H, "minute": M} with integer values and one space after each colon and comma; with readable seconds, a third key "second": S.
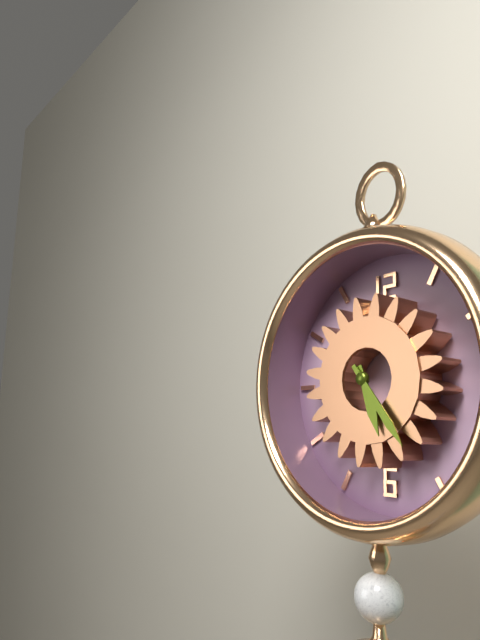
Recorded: {"hour": 5, "minute": 24}
